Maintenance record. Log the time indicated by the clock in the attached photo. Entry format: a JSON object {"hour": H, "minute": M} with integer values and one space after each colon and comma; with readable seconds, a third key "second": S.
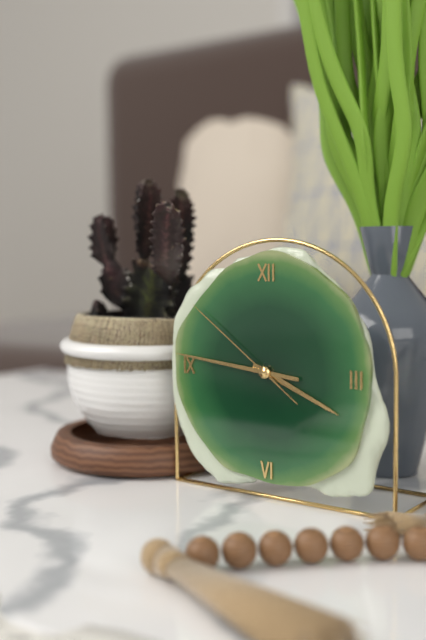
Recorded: {"hour": 3, "minute": 46, "second": 51}
